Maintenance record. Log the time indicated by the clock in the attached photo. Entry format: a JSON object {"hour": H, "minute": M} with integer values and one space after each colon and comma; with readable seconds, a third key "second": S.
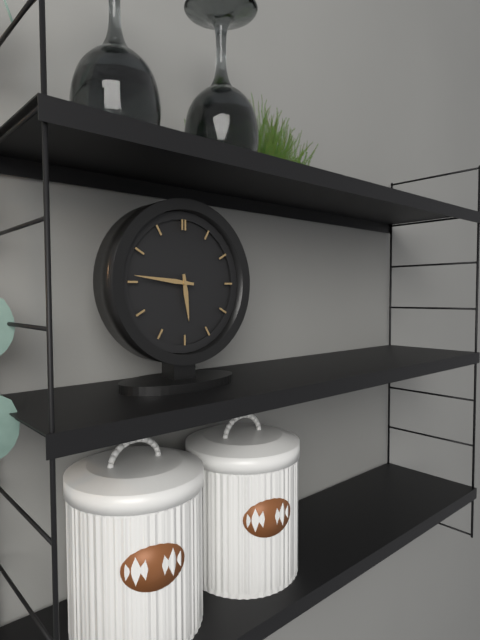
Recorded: {"hour": 5, "minute": 46}
